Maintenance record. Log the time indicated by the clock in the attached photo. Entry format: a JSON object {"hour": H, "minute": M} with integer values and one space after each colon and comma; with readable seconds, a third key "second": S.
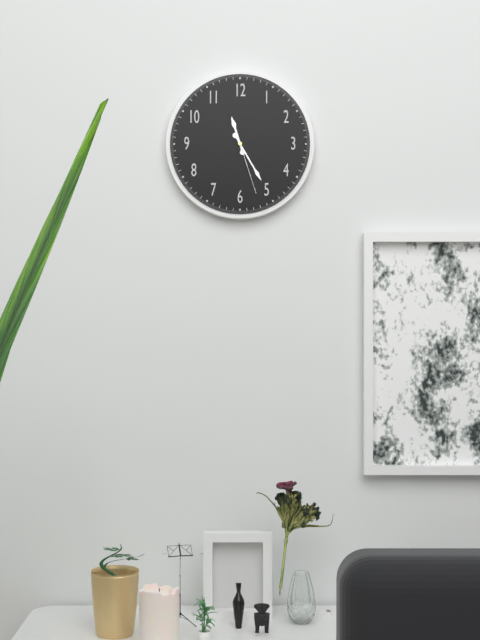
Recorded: {"hour": 11, "minute": 25, "second": 27}
